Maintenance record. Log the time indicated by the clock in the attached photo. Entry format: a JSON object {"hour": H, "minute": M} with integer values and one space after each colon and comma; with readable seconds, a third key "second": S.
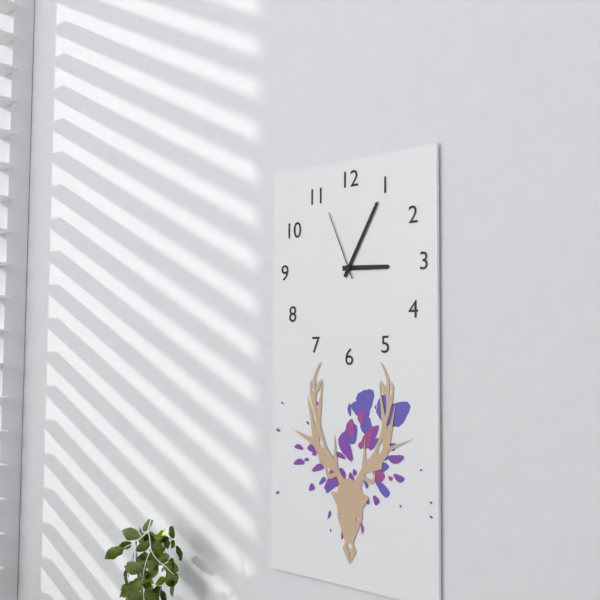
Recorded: {"hour": 3, "minute": 5, "second": 56}
